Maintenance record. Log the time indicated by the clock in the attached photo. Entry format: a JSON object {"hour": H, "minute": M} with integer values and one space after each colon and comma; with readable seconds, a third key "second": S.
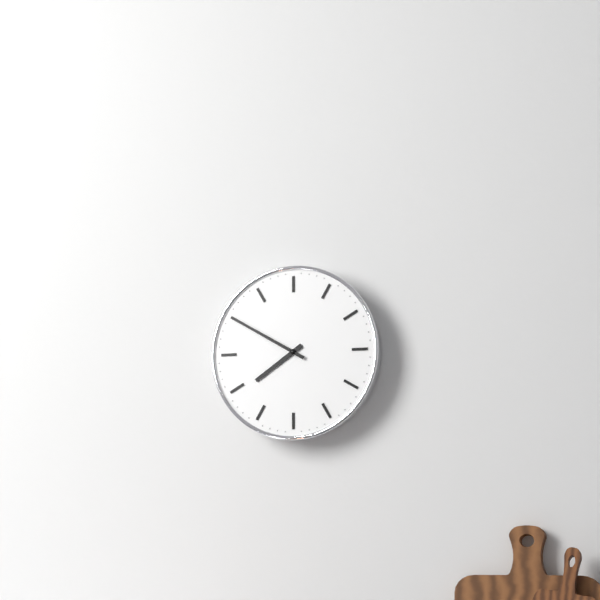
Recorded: {"hour": 7, "minute": 50}
